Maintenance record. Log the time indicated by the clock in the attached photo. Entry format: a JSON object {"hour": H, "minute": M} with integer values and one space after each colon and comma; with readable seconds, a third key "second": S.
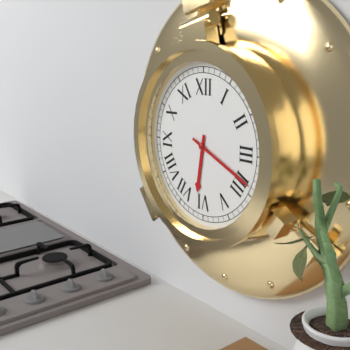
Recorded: {"hour": 6, "minute": 19}
